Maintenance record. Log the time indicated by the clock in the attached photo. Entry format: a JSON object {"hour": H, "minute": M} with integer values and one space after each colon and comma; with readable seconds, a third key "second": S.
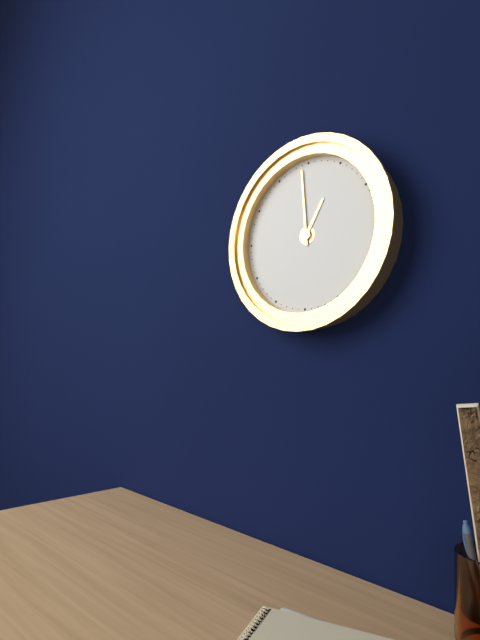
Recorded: {"hour": 12, "minute": 59}
